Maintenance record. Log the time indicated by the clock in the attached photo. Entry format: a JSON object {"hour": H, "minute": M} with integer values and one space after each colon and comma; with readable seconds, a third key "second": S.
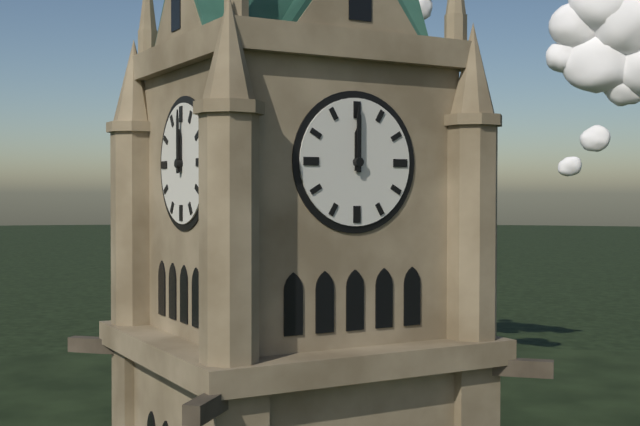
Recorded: {"hour": 12, "minute": 0}
